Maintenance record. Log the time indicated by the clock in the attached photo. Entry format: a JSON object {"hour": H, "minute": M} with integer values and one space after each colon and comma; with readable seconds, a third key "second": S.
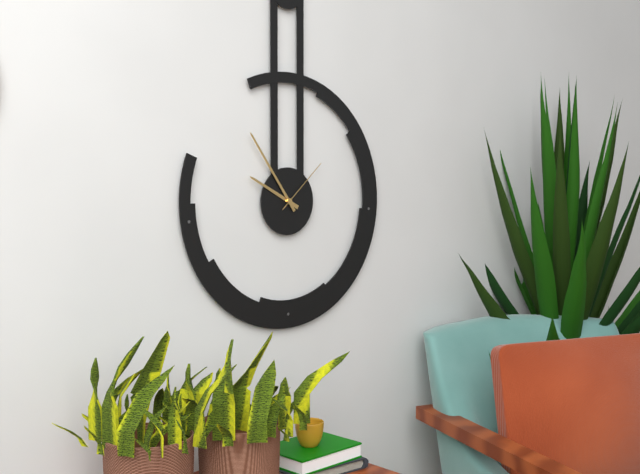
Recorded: {"hour": 9, "minute": 54, "second": 8}
